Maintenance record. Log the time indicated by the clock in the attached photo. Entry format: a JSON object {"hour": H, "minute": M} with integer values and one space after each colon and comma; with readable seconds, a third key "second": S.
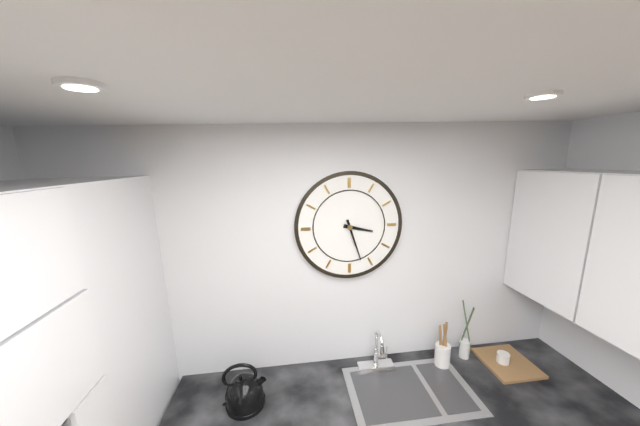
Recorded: {"hour": 3, "minute": 27}
